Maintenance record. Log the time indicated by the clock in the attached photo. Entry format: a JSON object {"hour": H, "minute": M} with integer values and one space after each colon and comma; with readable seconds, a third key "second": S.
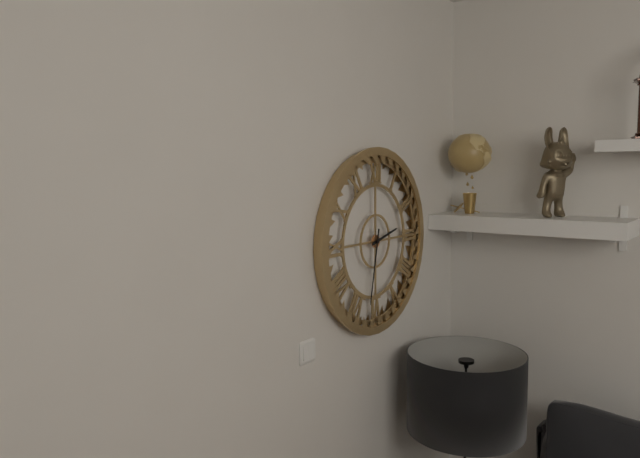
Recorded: {"hour": 2, "minute": 32}
